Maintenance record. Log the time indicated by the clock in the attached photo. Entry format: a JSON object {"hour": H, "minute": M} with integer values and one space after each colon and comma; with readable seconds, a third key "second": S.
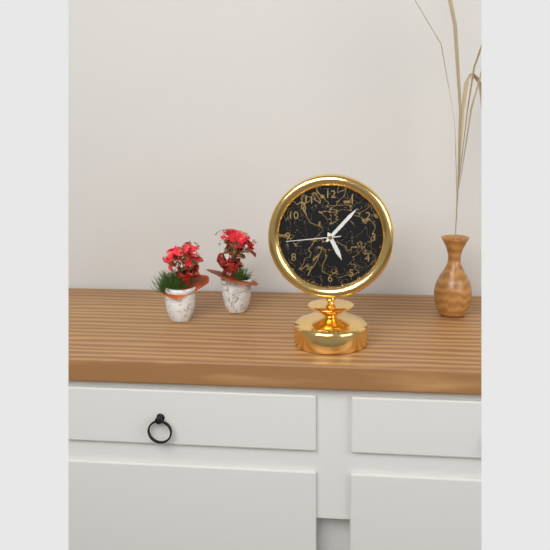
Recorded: {"hour": 5, "minute": 7, "second": 44}
